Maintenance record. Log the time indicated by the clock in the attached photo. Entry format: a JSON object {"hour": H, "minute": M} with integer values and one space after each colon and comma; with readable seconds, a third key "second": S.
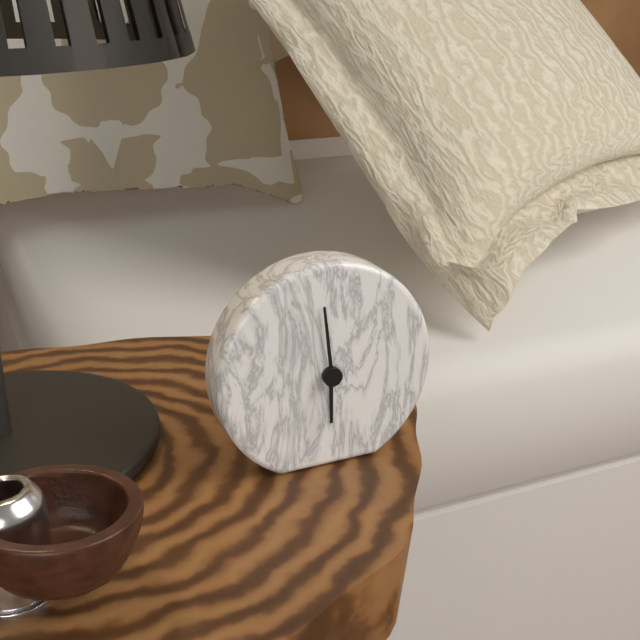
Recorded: {"hour": 5, "minute": 59}
